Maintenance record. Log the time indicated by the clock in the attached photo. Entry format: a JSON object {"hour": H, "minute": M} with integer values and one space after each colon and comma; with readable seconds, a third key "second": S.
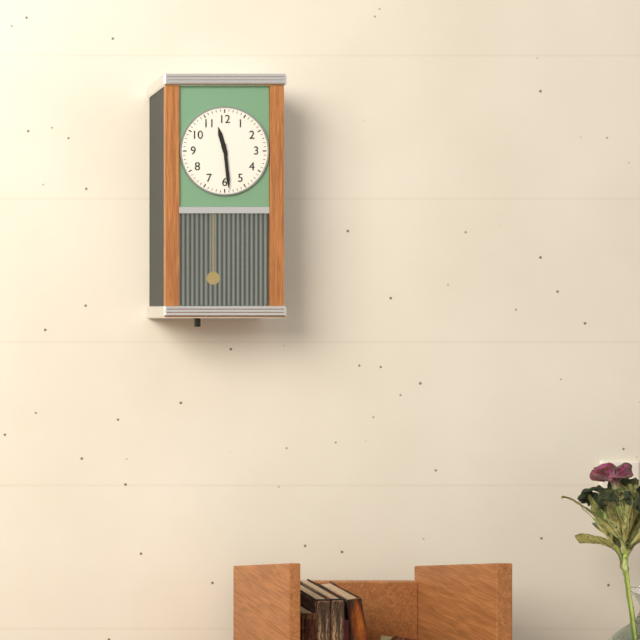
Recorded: {"hour": 11, "minute": 29}
